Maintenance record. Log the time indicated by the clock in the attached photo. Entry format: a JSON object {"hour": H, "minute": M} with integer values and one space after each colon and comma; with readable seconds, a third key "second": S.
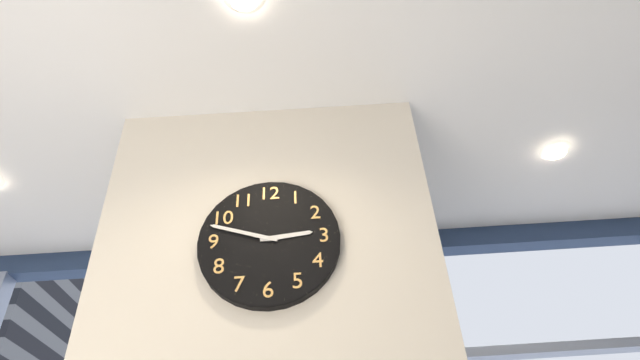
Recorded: {"hour": 2, "minute": 48}
